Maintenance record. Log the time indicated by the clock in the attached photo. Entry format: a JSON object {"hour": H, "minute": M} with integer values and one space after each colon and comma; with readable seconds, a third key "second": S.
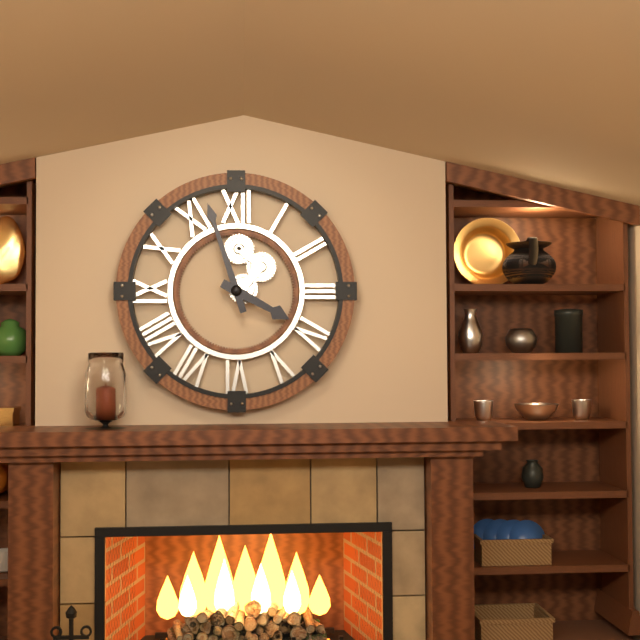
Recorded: {"hour": 3, "minute": 57}
